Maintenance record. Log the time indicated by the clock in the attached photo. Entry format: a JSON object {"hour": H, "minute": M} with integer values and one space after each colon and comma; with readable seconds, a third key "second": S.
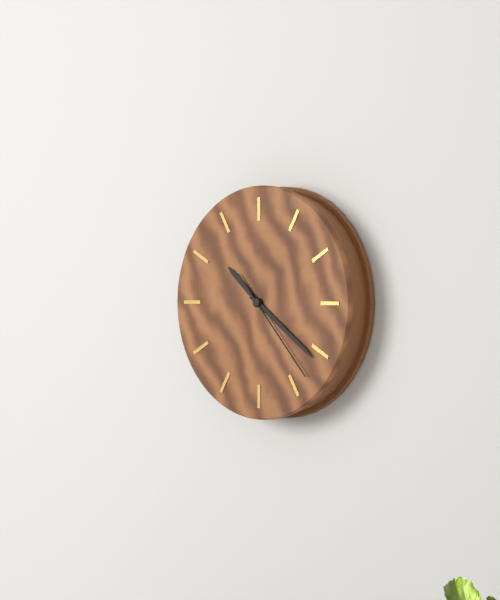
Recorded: {"hour": 10, "minute": 21, "second": 23}
